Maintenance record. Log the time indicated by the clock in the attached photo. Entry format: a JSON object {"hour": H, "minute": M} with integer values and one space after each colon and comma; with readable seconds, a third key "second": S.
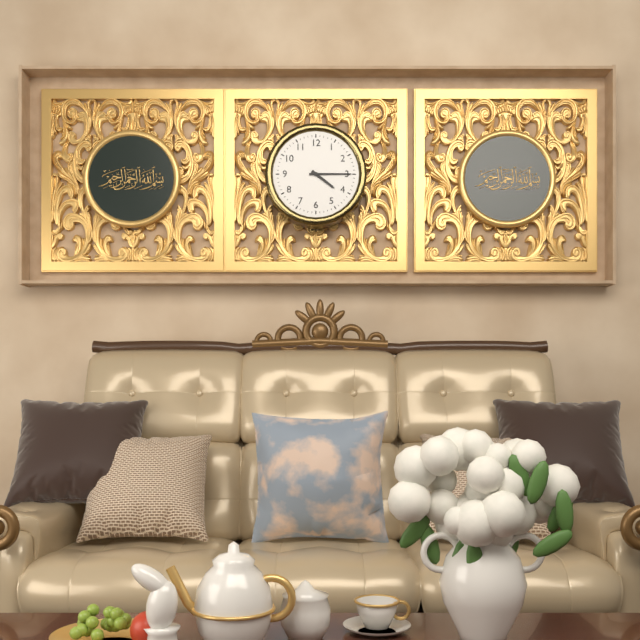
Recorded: {"hour": 4, "minute": 15}
